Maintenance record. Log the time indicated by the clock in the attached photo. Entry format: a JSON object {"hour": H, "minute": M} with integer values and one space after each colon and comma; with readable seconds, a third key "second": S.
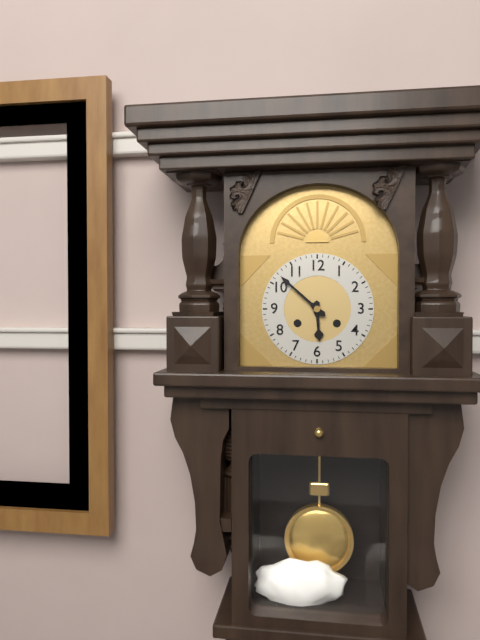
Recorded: {"hour": 5, "minute": 52}
